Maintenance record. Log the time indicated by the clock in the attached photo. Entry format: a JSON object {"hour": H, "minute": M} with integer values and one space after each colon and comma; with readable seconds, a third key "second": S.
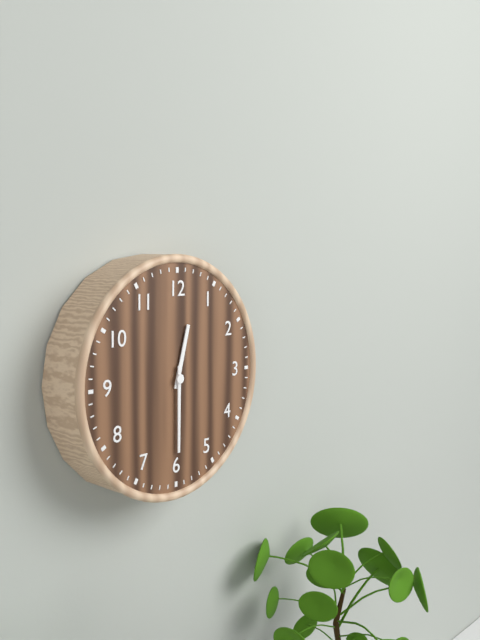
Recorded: {"hour": 12, "minute": 30}
